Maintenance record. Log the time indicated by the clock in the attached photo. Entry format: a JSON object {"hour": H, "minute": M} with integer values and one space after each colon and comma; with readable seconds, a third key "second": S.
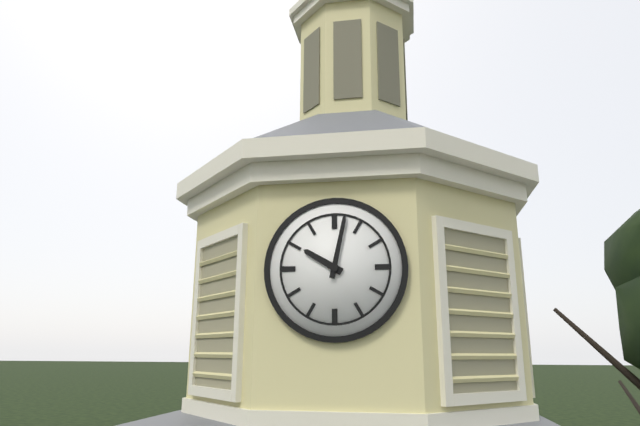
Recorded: {"hour": 10, "minute": 2}
